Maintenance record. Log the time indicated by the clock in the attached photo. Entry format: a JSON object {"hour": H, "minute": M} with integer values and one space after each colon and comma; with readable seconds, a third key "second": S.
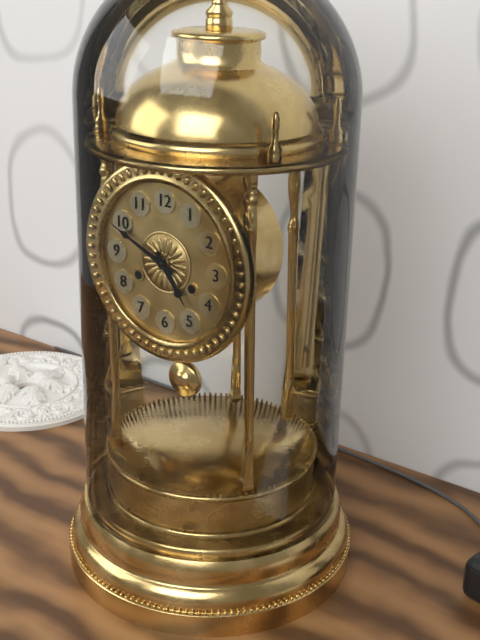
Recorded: {"hour": 4, "minute": 49}
